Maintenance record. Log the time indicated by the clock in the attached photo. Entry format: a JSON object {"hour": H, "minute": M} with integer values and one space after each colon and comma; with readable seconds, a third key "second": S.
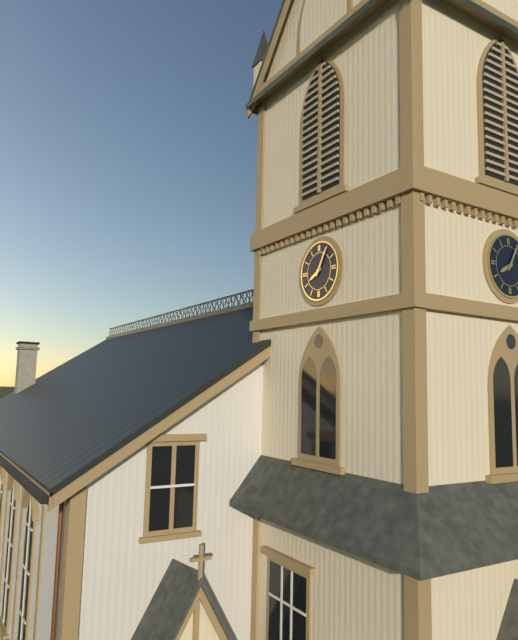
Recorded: {"hour": 8, "minute": 5}
